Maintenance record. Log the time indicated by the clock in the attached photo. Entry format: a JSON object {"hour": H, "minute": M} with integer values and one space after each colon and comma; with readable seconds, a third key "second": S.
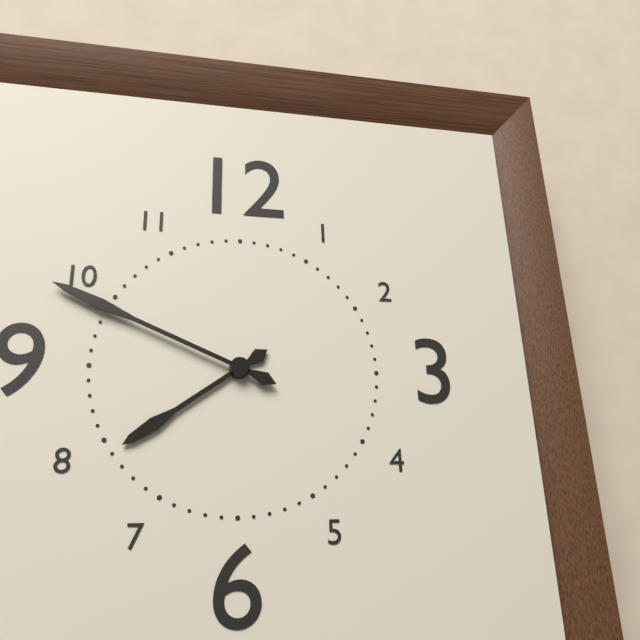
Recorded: {"hour": 7, "minute": 49}
